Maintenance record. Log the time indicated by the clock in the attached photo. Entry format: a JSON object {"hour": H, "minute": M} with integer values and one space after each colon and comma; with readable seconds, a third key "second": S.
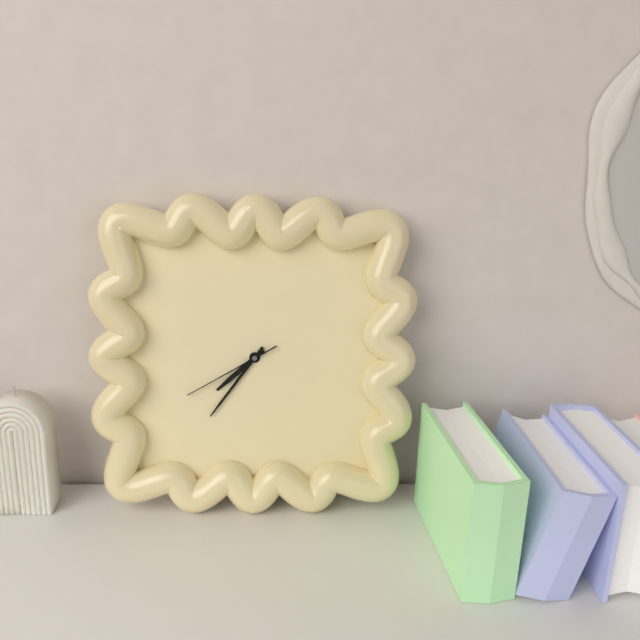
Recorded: {"hour": 7, "minute": 36, "second": 40}
